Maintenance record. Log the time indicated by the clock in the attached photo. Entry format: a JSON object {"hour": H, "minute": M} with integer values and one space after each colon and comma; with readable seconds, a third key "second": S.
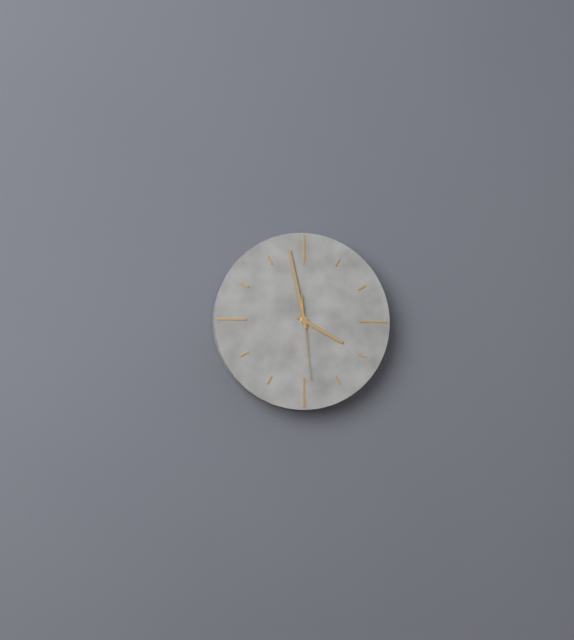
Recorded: {"hour": 3, "minute": 58, "second": 29}
